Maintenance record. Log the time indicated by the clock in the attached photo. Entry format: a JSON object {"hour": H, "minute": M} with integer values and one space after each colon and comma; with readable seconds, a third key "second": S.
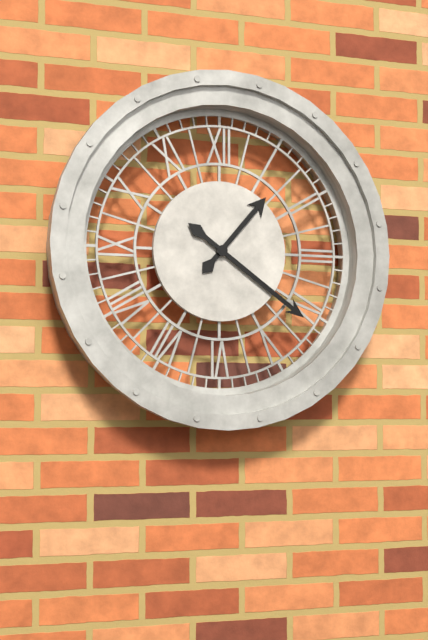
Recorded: {"hour": 1, "minute": 21}
